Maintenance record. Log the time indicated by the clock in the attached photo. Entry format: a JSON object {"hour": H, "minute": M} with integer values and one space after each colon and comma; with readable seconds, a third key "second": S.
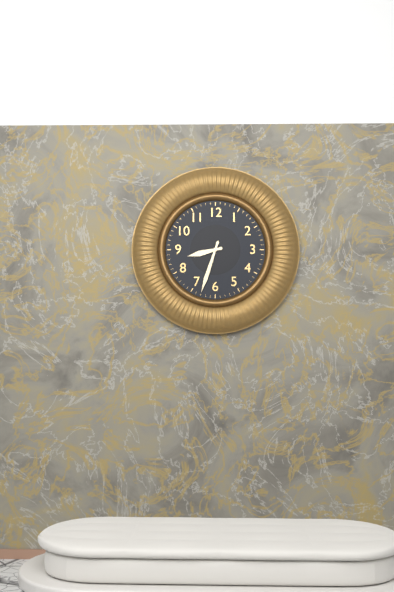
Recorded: {"hour": 8, "minute": 33}
